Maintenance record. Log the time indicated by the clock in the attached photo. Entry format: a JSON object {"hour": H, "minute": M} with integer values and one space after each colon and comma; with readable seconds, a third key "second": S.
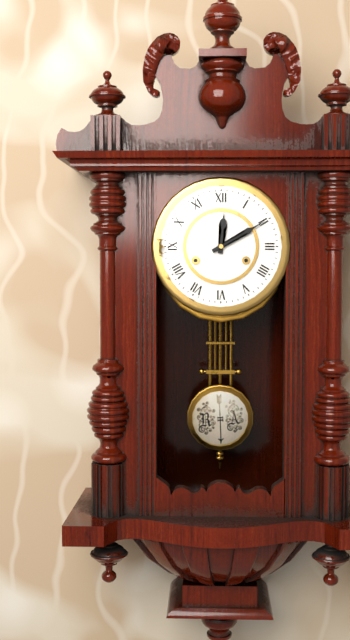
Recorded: {"hour": 12, "minute": 10}
